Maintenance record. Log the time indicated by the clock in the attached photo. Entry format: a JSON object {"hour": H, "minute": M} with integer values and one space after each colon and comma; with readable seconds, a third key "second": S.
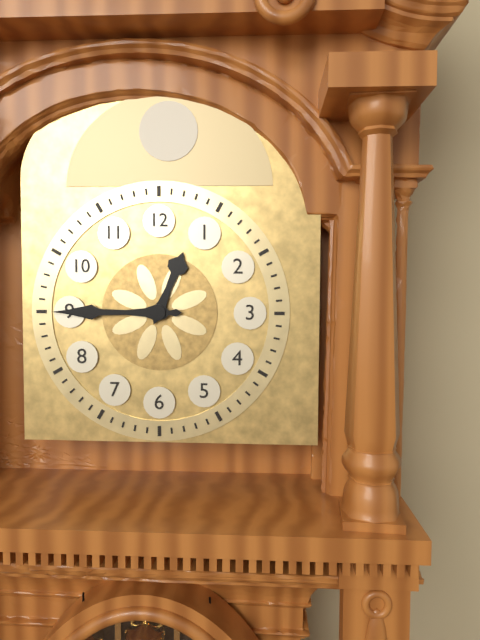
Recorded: {"hour": 12, "minute": 45}
